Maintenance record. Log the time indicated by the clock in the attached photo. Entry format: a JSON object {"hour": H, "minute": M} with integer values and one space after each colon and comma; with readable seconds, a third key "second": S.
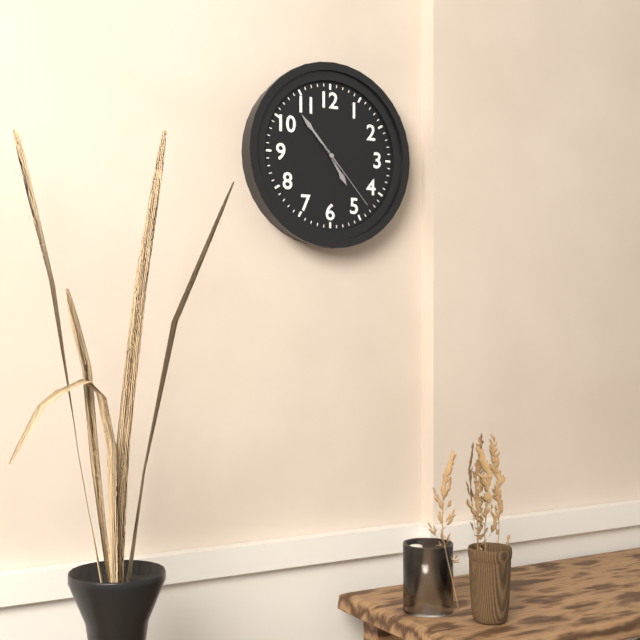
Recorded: {"hour": 4, "minute": 53, "second": 23}
